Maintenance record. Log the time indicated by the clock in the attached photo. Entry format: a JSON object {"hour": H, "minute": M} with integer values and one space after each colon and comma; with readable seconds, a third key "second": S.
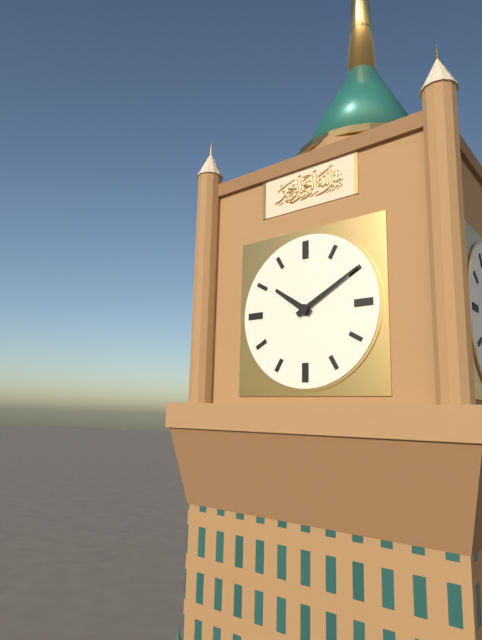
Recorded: {"hour": 10, "minute": 10}
